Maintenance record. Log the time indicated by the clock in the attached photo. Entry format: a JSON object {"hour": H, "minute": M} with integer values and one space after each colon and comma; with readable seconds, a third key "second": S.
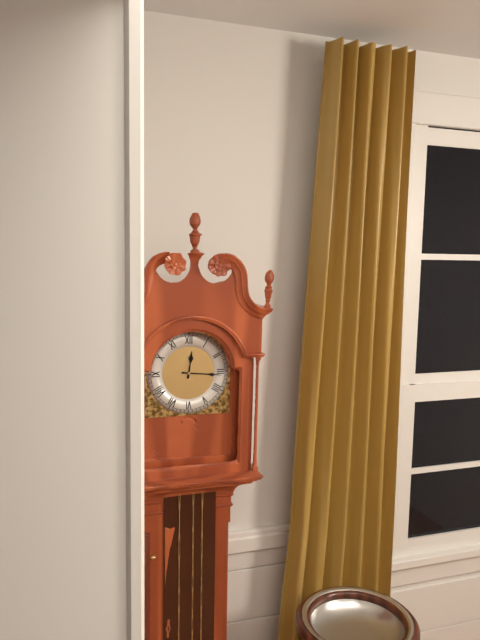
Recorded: {"hour": 12, "minute": 16}
